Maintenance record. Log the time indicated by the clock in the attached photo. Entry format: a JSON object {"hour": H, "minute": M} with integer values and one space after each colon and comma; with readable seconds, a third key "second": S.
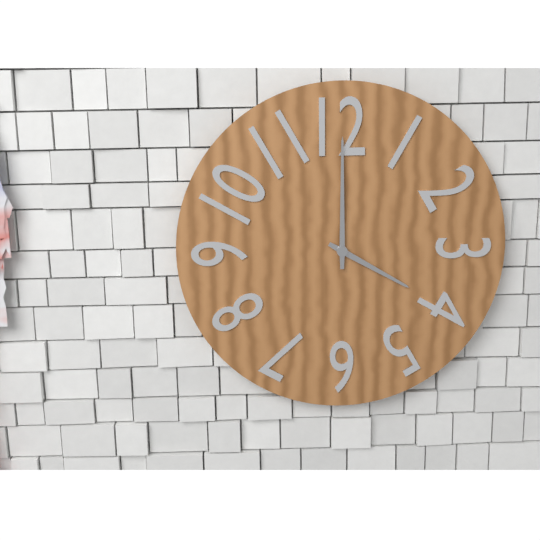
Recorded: {"hour": 4, "minute": 0}
